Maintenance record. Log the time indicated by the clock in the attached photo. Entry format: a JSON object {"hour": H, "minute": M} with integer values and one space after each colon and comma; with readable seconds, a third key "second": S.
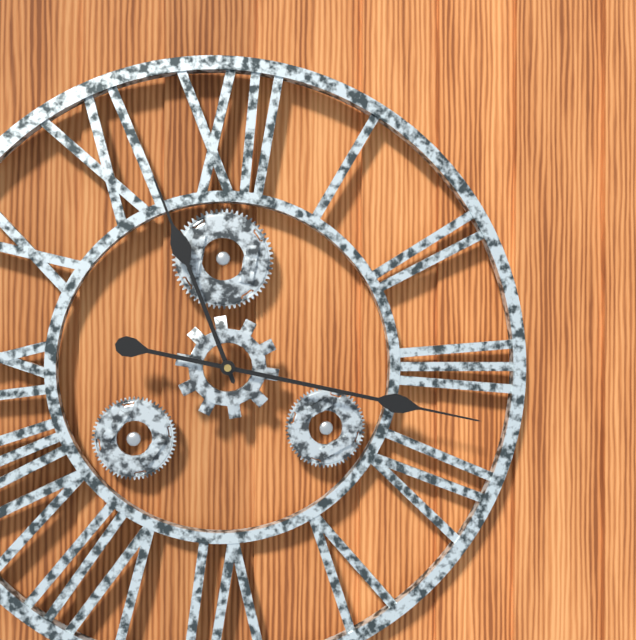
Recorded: {"hour": 11, "minute": 17}
